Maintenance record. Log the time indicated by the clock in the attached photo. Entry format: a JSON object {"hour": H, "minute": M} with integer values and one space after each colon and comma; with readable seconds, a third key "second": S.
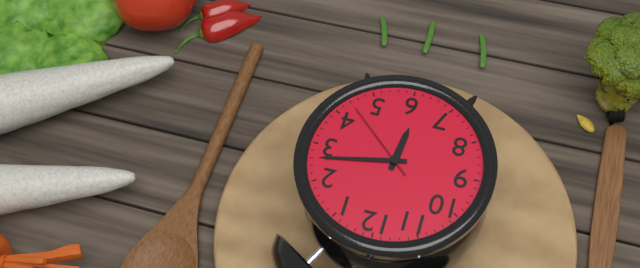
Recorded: {"hour": 6, "minute": 13, "second": 22}
